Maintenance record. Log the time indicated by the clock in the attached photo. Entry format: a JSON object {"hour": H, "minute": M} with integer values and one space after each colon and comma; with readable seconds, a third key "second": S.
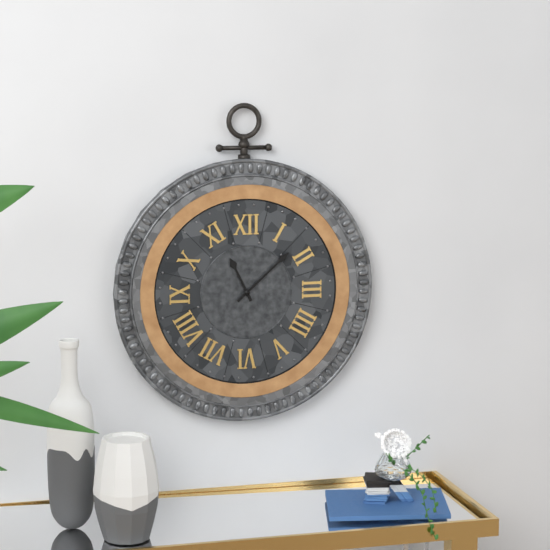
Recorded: {"hour": 11, "minute": 8}
